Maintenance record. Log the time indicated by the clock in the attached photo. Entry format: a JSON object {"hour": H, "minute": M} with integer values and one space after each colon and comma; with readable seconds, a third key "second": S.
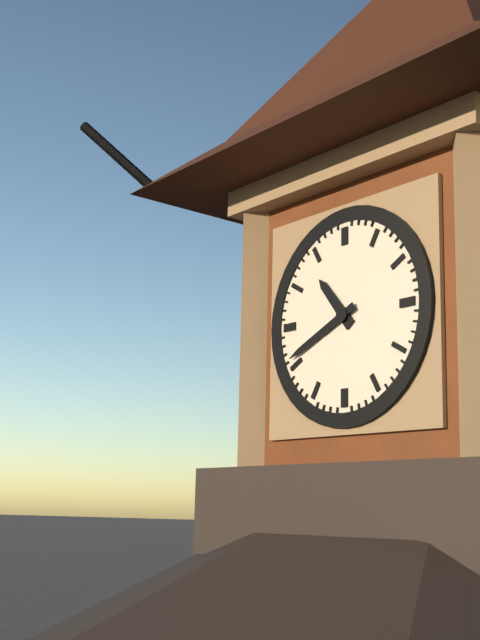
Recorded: {"hour": 10, "minute": 41}
